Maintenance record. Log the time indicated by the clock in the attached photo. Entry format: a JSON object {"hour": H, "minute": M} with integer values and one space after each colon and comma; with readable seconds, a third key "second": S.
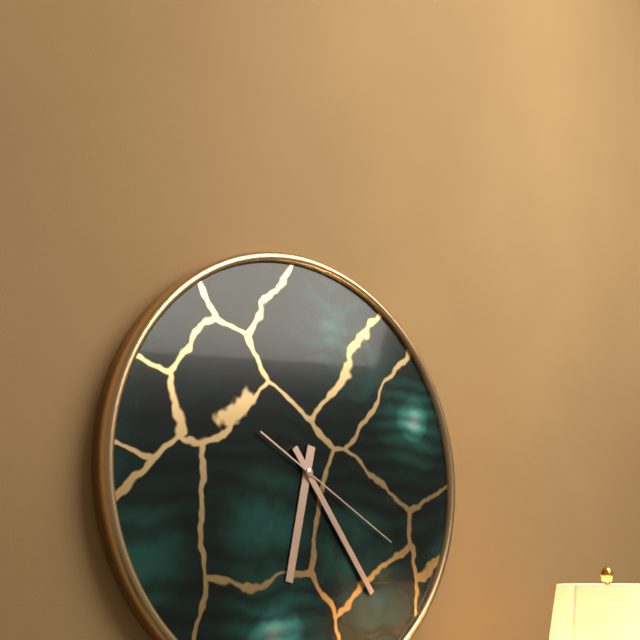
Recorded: {"hour": 6, "minute": 24, "second": 20}
